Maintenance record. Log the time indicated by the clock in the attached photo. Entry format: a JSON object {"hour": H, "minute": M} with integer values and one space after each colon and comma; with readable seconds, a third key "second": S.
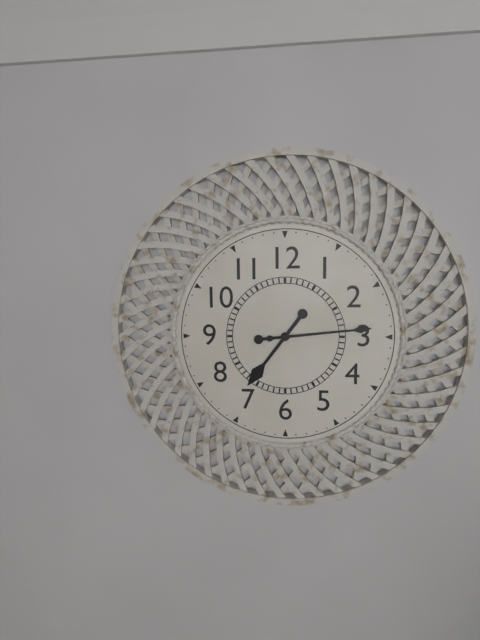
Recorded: {"hour": 7, "minute": 14}
